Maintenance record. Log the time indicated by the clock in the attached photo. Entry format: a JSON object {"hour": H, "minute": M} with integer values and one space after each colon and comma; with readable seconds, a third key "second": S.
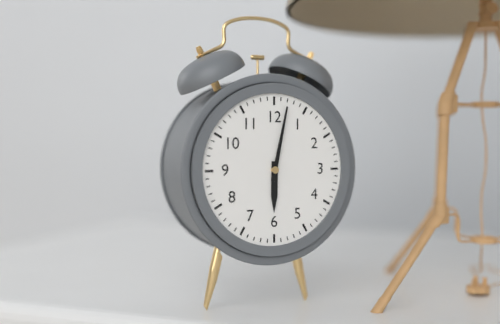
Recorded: {"hour": 6, "minute": 2}
